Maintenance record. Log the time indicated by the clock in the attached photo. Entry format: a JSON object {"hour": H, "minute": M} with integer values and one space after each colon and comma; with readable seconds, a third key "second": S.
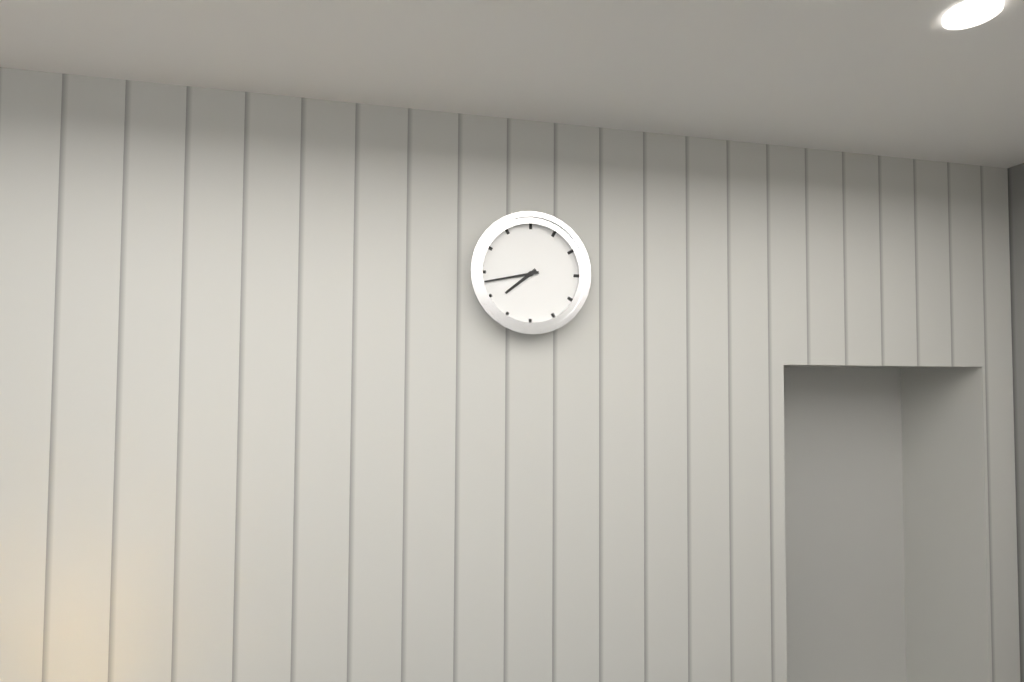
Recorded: {"hour": 7, "minute": 43}
